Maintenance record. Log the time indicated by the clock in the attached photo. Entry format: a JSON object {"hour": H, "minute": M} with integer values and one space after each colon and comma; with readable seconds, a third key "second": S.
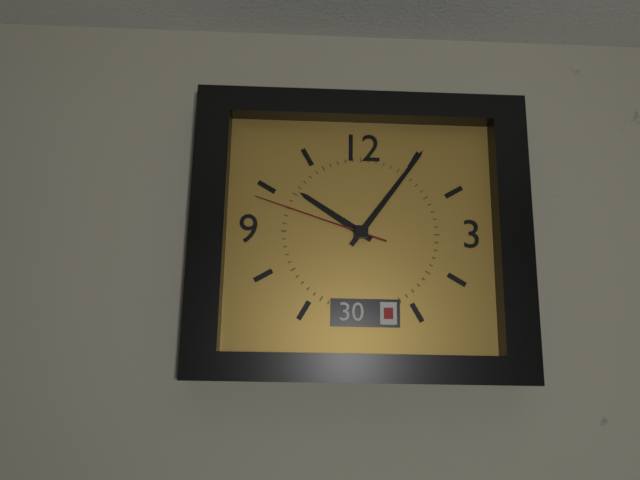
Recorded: {"hour": 10, "minute": 6, "second": 48}
